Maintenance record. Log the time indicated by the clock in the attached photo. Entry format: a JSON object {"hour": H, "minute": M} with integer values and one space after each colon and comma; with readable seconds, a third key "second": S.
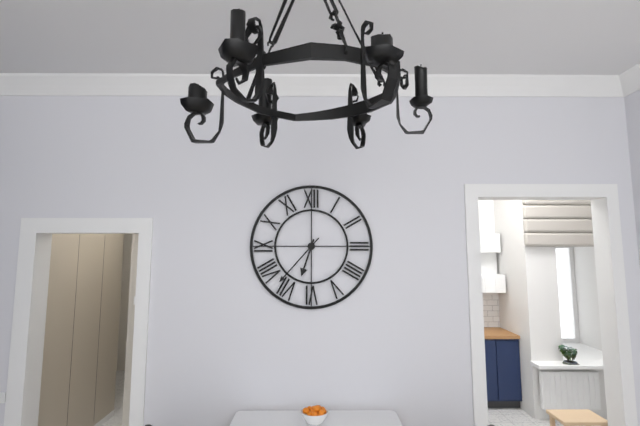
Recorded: {"hour": 6, "minute": 37}
